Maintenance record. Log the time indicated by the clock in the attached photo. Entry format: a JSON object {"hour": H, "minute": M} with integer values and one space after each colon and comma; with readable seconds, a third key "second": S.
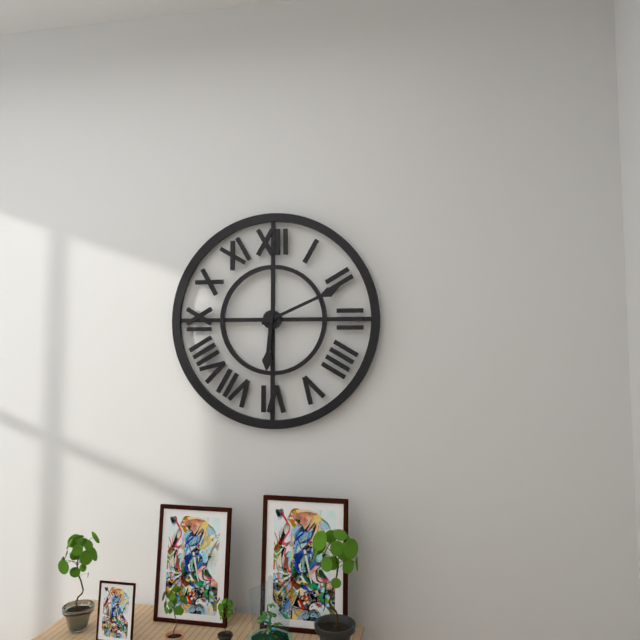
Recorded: {"hour": 6, "minute": 11}
